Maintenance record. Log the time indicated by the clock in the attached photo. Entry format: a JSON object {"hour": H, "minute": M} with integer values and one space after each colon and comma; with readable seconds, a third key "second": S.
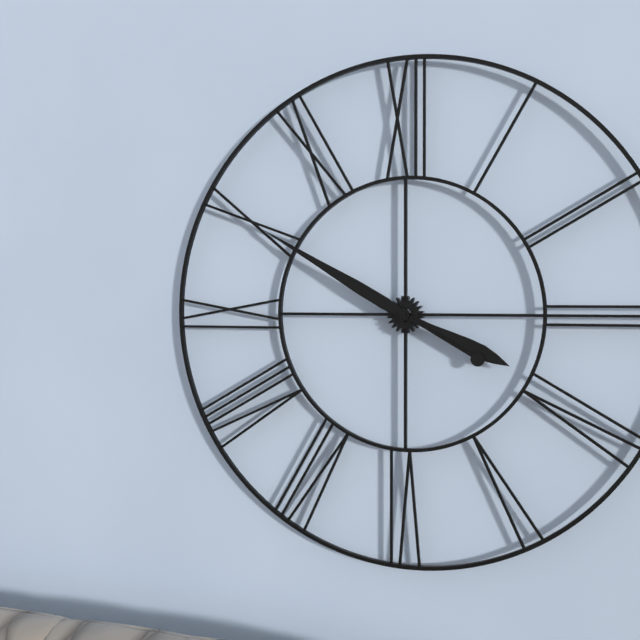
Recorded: {"hour": 3, "minute": 50}
